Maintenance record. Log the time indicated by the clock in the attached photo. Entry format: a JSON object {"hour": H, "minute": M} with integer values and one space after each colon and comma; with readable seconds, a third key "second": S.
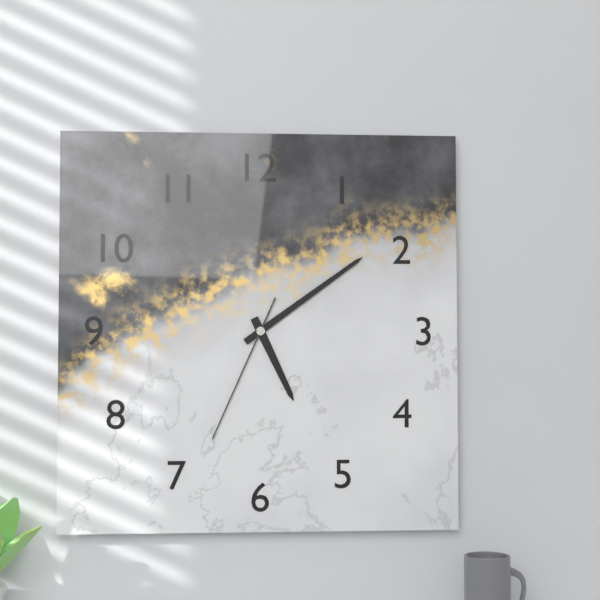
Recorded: {"hour": 5, "minute": 9, "second": 34}
